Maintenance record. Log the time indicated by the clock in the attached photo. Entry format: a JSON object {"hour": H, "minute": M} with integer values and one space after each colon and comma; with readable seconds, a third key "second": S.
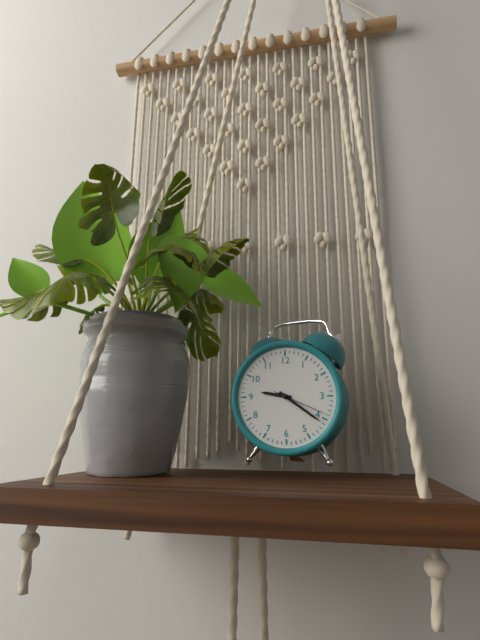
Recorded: {"hour": 9, "minute": 21, "second": 19}
